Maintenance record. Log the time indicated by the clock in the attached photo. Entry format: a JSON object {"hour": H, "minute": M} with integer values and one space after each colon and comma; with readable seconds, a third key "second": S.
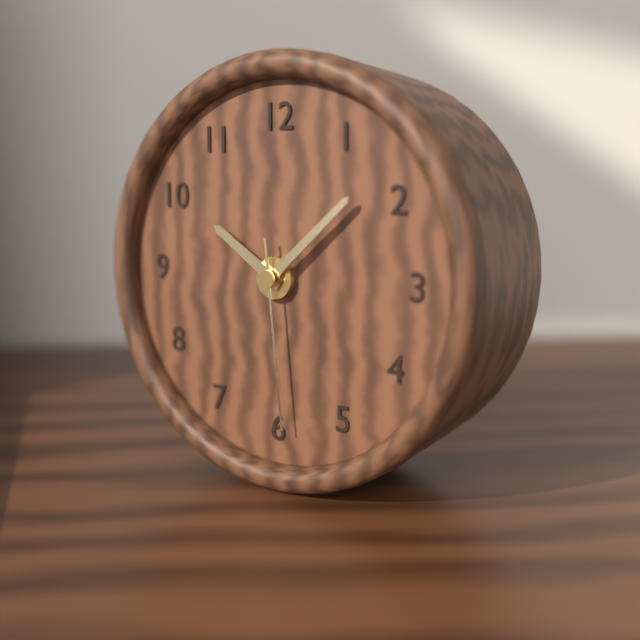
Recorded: {"hour": 10, "minute": 8, "second": 29}
